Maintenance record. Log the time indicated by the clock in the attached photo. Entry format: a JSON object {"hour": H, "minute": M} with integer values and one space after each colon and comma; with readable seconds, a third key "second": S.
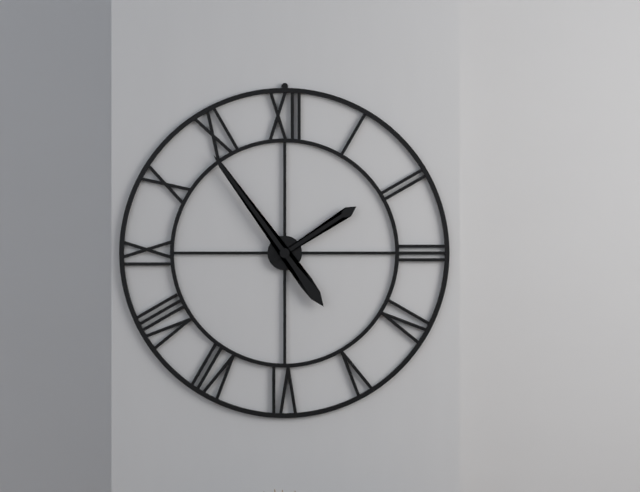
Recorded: {"hour": 1, "minute": 54}
